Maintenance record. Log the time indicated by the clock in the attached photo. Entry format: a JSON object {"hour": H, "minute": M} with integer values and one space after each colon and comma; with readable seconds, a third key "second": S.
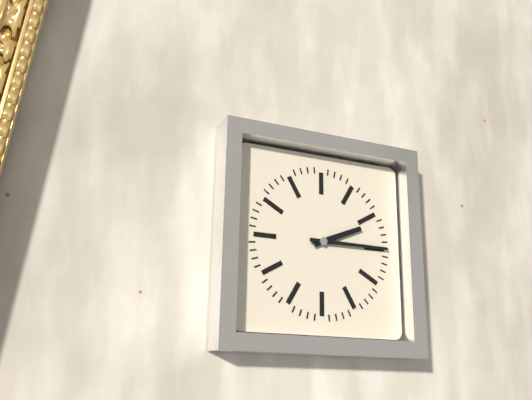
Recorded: {"hour": 2, "minute": 15}
